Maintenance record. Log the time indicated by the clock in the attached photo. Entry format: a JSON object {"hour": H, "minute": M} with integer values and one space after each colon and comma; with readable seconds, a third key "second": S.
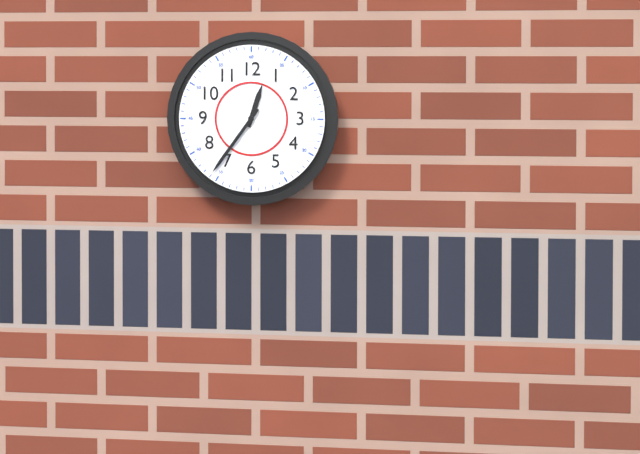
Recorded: {"hour": 12, "minute": 36}
